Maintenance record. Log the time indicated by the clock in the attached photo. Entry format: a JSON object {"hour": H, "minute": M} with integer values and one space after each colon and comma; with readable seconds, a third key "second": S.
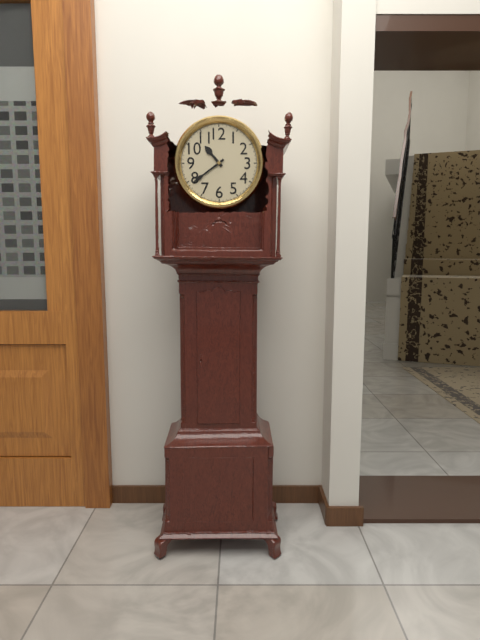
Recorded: {"hour": 10, "minute": 39}
